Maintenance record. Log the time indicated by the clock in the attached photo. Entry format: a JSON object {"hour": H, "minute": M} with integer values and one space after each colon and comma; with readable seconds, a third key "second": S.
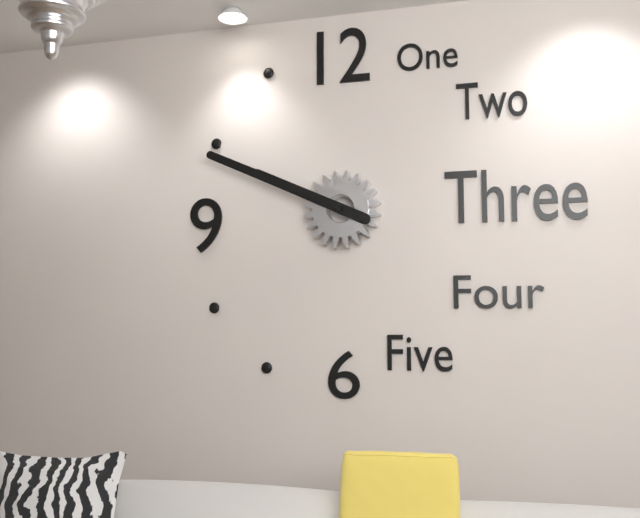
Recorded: {"hour": 9, "minute": 49}
